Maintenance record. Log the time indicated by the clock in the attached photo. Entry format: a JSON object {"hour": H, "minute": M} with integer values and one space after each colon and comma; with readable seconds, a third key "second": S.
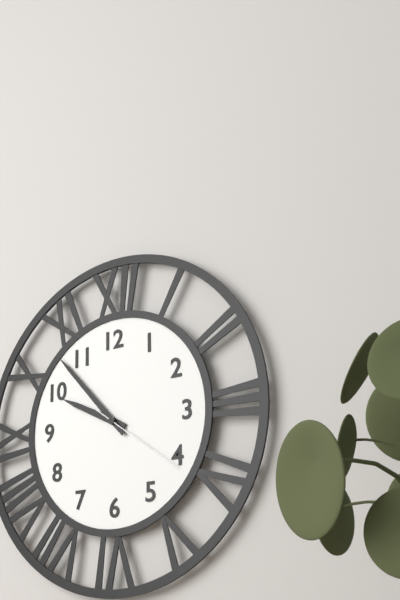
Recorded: {"hour": 9, "minute": 53, "second": 21}
